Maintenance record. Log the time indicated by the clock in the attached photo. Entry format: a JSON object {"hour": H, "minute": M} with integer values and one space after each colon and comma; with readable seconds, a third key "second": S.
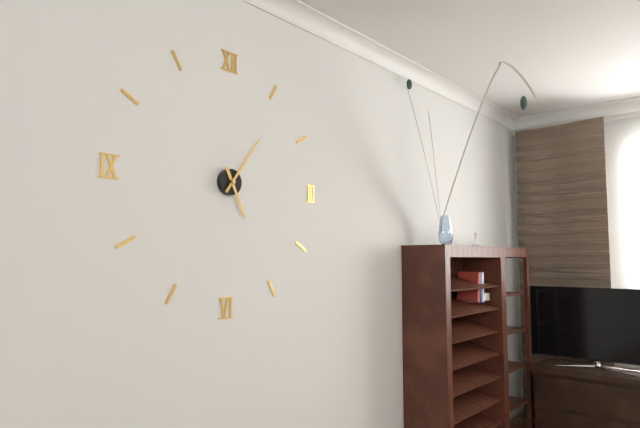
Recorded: {"hour": 5, "minute": 6}
